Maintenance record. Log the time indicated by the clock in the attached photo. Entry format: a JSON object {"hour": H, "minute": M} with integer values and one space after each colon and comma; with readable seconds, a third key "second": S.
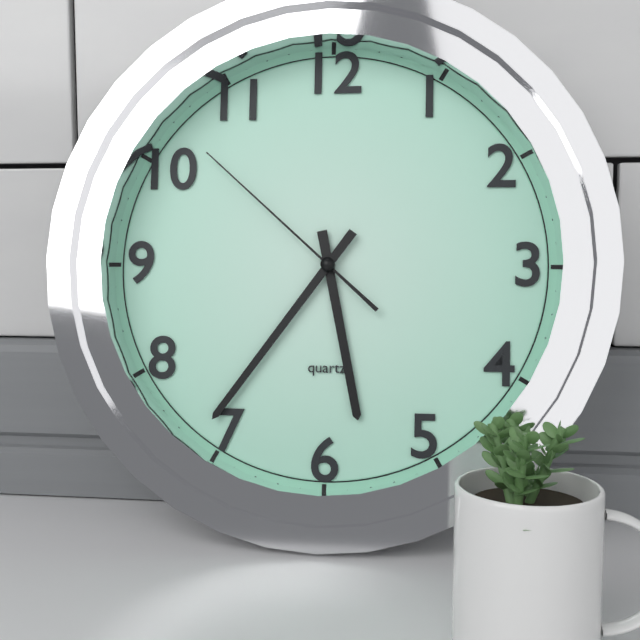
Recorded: {"hour": 5, "minute": 36, "second": 52}
